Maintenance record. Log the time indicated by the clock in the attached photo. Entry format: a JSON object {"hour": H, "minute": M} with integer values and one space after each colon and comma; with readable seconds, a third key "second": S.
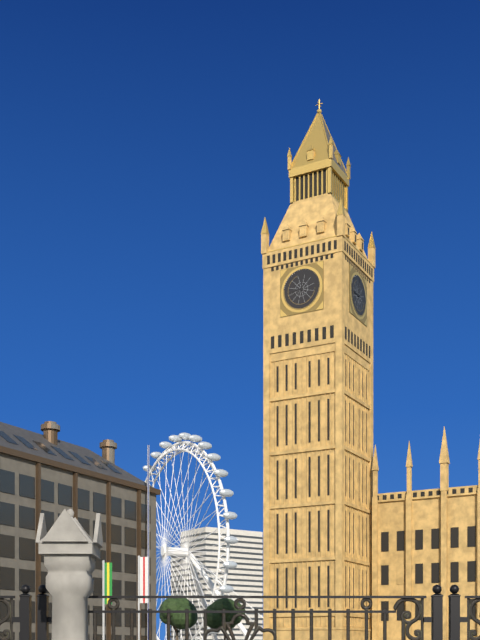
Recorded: {"hour": 9, "minute": 1}
